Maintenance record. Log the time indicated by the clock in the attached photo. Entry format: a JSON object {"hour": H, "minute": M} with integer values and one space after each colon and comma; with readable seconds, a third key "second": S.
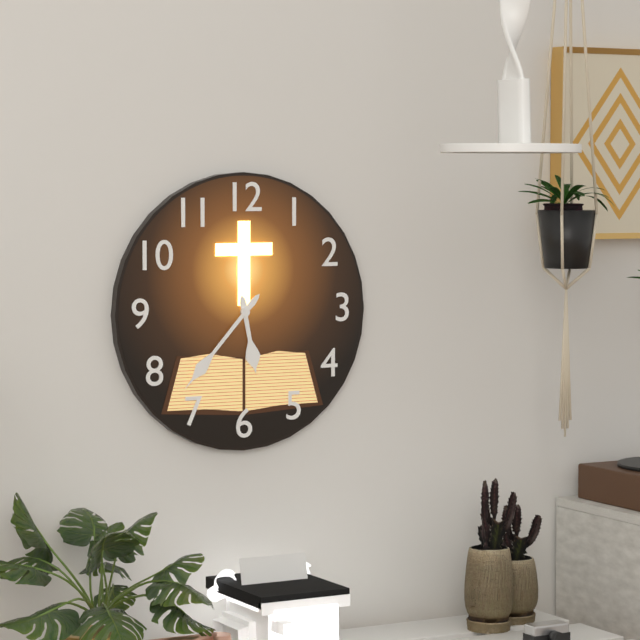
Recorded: {"hour": 5, "minute": 37}
